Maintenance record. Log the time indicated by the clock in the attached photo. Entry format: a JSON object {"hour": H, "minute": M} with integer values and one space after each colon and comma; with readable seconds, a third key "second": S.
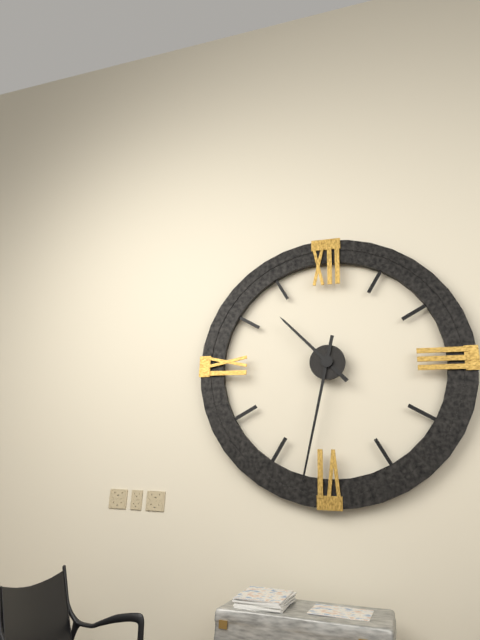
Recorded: {"hour": 10, "minute": 32}
